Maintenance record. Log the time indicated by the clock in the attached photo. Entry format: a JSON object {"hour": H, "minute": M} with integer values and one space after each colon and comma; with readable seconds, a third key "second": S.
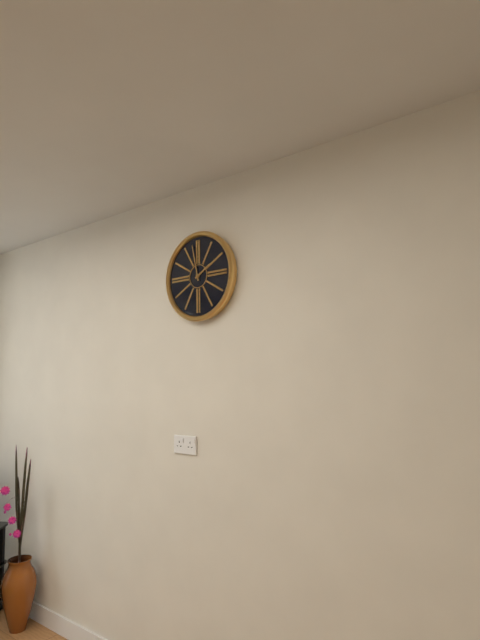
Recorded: {"hour": 1, "minute": 58}
